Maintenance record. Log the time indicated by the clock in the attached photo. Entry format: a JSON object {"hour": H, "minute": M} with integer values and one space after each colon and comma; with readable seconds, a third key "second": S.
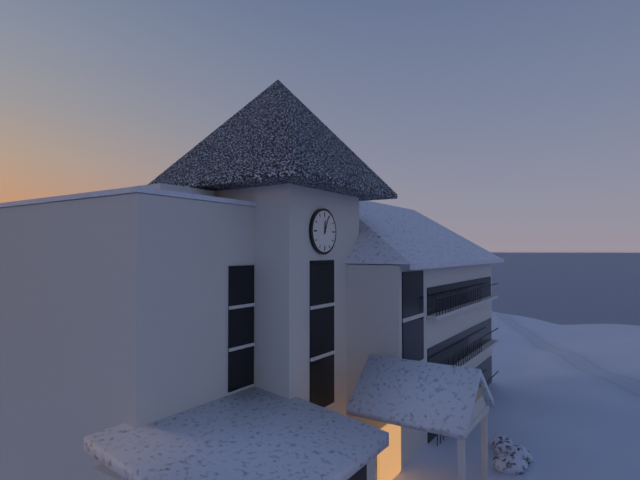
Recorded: {"hour": 12, "minute": 4}
